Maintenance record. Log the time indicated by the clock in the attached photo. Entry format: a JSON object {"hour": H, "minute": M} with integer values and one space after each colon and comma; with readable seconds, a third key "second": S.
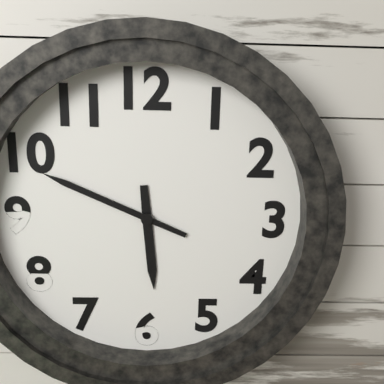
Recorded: {"hour": 5, "minute": 49}
